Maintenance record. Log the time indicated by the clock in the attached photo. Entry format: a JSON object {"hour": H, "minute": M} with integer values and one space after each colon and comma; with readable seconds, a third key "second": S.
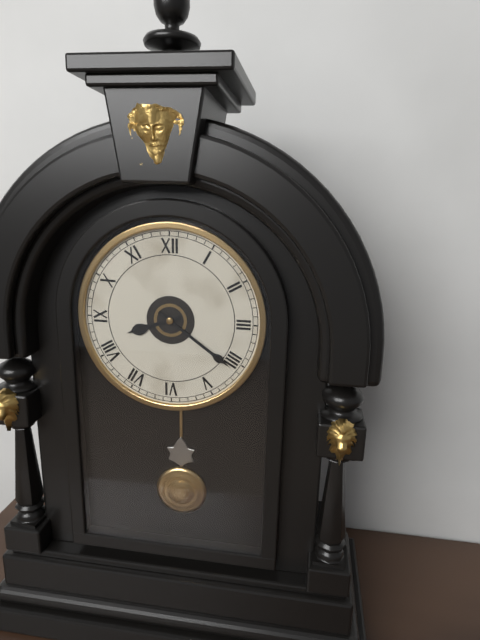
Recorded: {"hour": 8, "minute": 21}
